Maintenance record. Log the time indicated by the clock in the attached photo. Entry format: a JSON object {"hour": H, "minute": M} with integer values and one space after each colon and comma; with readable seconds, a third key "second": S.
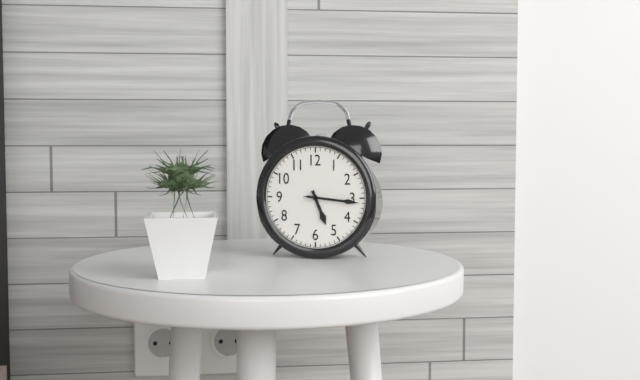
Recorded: {"hour": 5, "minute": 16, "second": 16}
